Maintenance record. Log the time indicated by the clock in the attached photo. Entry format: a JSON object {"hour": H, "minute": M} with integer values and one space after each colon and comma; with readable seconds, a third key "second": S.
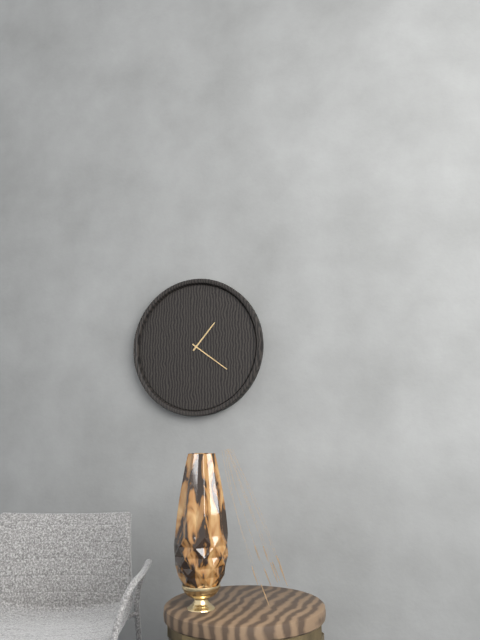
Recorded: {"hour": 1, "minute": 21}
